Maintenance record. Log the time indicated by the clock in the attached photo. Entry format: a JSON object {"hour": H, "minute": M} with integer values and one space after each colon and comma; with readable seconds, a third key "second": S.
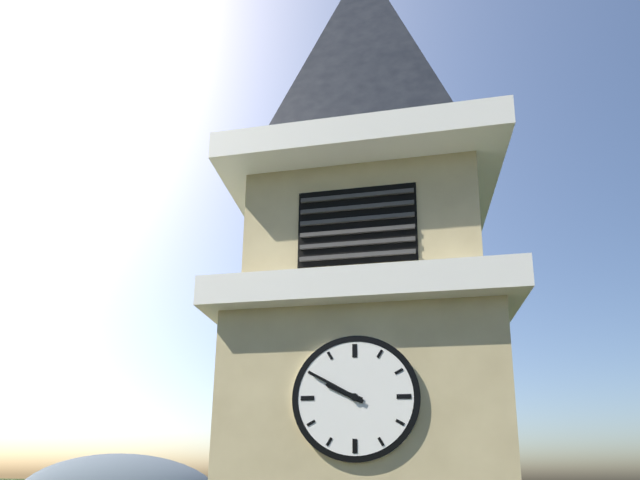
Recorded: {"hour": 9, "minute": 50}
